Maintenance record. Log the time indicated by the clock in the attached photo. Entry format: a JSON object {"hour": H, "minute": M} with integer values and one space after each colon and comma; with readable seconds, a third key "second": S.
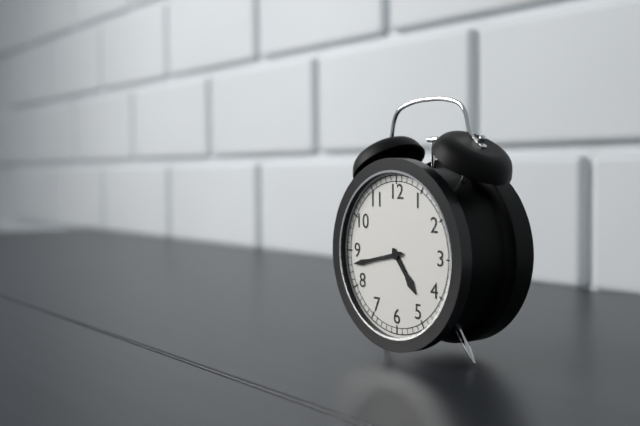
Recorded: {"hour": 4, "minute": 43}
